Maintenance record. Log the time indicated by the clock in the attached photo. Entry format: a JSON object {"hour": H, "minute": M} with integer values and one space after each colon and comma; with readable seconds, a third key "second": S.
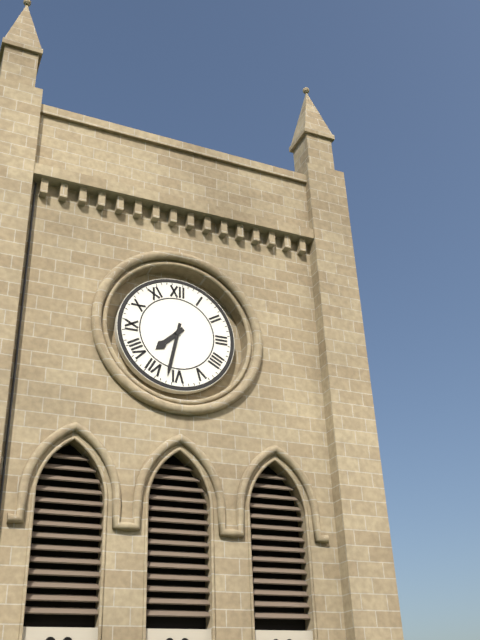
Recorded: {"hour": 7, "minute": 32}
